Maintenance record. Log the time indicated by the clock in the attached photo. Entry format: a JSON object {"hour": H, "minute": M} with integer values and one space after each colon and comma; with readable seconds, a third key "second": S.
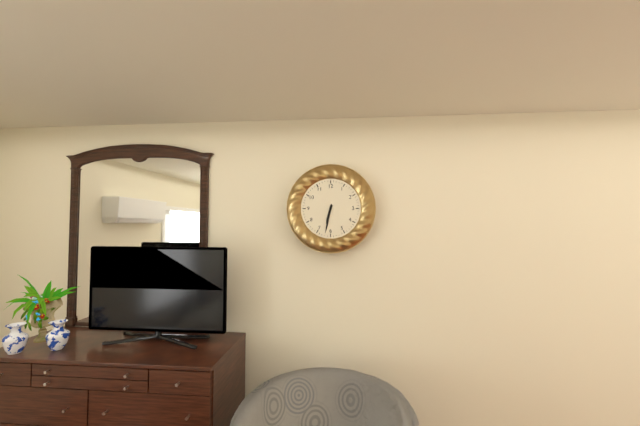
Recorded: {"hour": 6, "minute": 32}
